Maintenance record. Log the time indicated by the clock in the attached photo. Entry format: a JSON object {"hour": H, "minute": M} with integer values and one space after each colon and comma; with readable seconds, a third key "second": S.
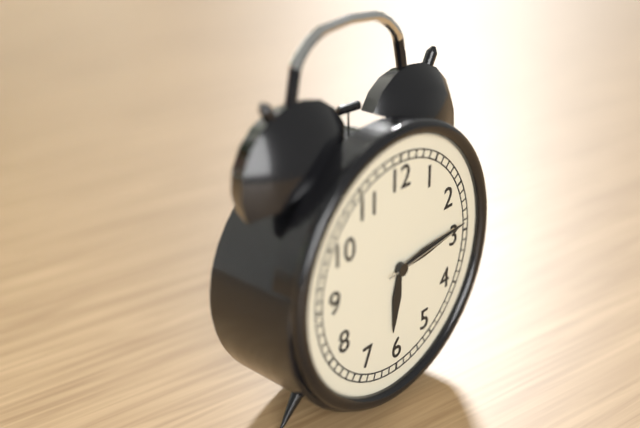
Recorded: {"hour": 6, "minute": 14, "second": 14}
